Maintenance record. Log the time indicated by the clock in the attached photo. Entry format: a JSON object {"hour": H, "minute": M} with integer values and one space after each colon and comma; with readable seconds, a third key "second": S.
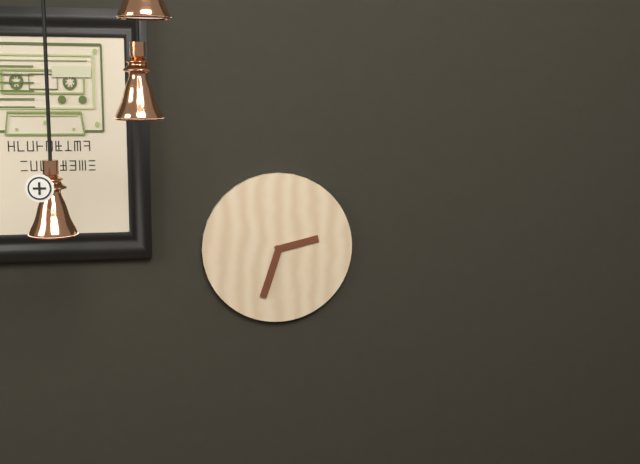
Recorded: {"hour": 2, "minute": 33}
